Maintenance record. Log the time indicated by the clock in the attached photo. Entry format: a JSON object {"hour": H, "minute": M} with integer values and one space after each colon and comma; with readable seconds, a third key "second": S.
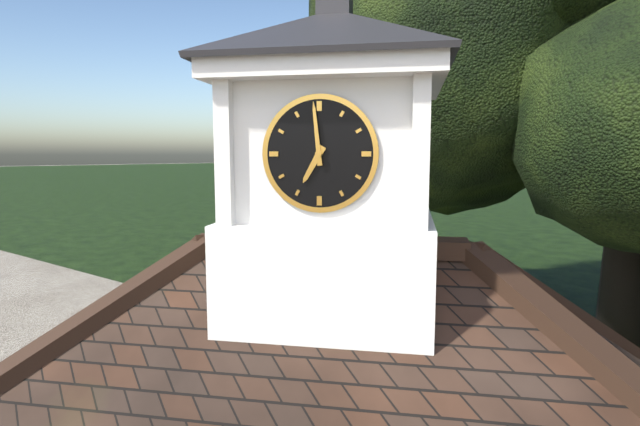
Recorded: {"hour": 6, "minute": 59}
